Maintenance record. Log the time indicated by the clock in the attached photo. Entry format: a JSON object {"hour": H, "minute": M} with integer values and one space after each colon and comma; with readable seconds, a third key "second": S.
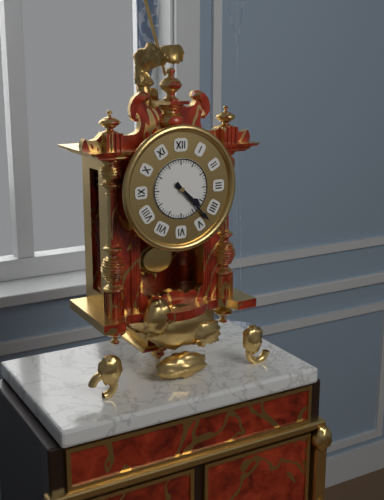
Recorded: {"hour": 4, "minute": 23}
